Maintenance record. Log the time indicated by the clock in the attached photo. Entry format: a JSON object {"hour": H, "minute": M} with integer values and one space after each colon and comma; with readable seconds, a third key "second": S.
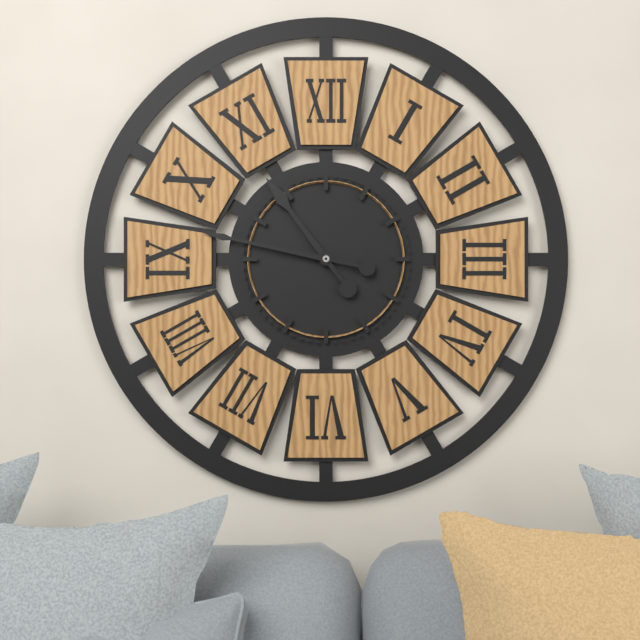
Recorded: {"hour": 10, "minute": 47}
